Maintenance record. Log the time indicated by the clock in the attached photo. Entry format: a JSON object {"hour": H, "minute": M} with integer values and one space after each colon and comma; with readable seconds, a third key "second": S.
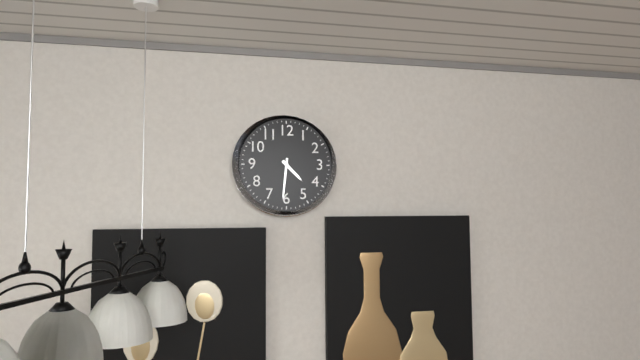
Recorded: {"hour": 4, "minute": 31}
